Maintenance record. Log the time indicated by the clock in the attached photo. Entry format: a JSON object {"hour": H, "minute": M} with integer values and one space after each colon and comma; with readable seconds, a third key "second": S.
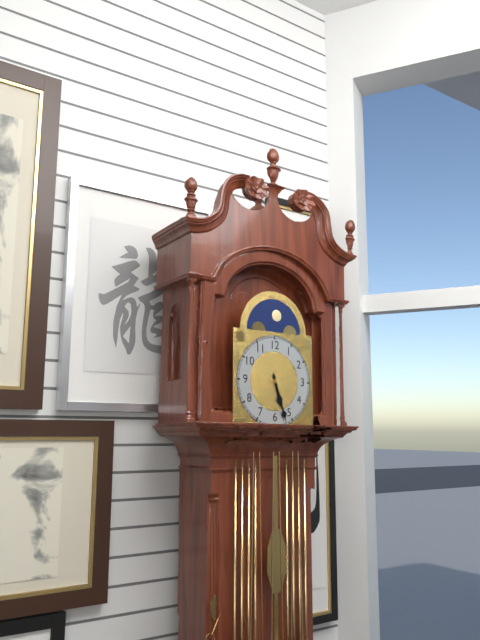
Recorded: {"hour": 5, "minute": 27}
